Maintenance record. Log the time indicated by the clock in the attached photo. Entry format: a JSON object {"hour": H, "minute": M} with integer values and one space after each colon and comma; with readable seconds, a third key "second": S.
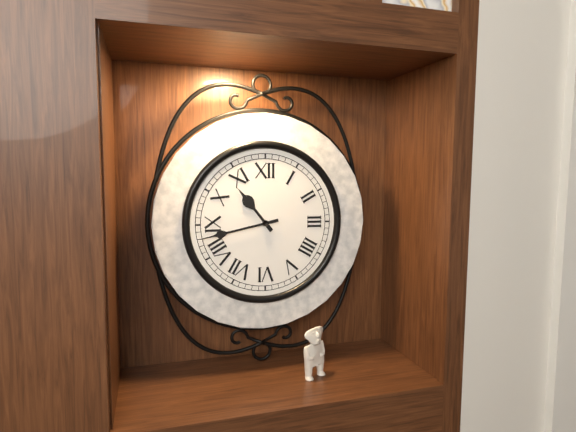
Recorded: {"hour": 10, "minute": 43}
